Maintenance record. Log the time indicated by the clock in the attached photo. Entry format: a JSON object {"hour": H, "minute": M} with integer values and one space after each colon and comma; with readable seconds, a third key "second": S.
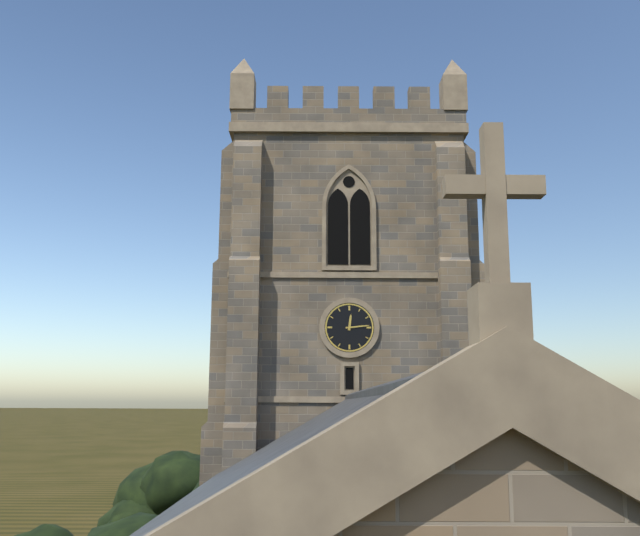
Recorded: {"hour": 12, "minute": 14}
